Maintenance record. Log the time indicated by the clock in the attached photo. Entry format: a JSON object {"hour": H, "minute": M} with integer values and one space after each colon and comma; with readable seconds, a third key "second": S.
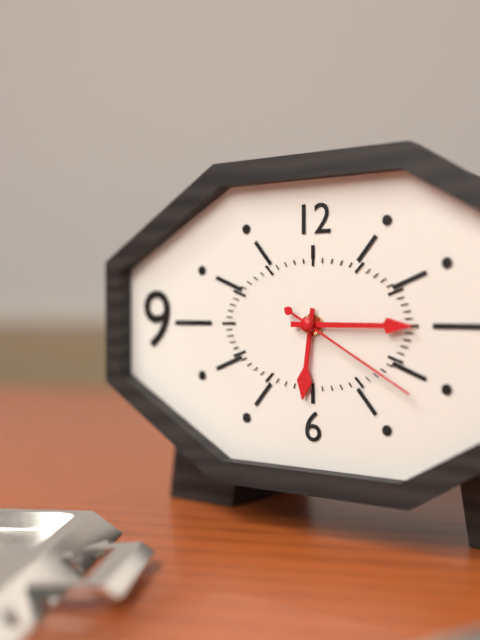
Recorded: {"hour": 6, "minute": 15, "second": 20}
